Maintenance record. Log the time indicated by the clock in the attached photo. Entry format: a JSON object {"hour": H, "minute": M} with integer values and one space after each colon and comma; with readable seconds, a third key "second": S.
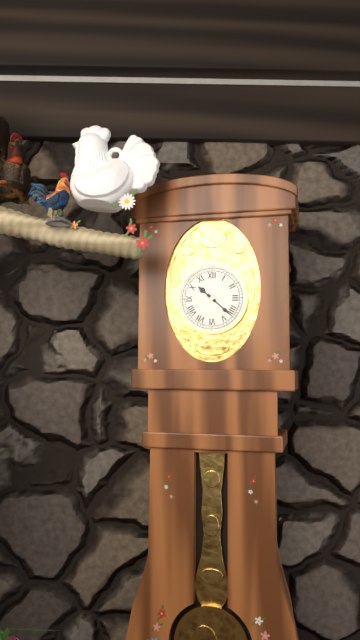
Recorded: {"hour": 10, "minute": 22}
